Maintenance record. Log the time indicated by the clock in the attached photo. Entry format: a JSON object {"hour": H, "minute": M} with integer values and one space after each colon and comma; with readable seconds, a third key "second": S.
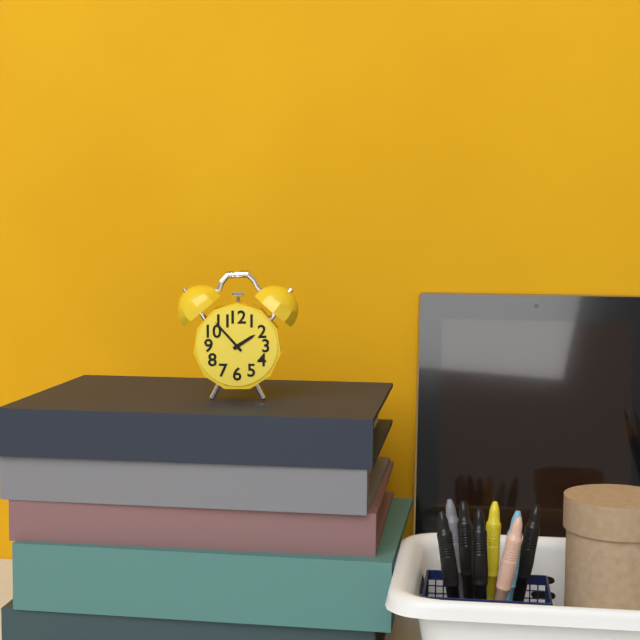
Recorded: {"hour": 1, "minute": 53}
